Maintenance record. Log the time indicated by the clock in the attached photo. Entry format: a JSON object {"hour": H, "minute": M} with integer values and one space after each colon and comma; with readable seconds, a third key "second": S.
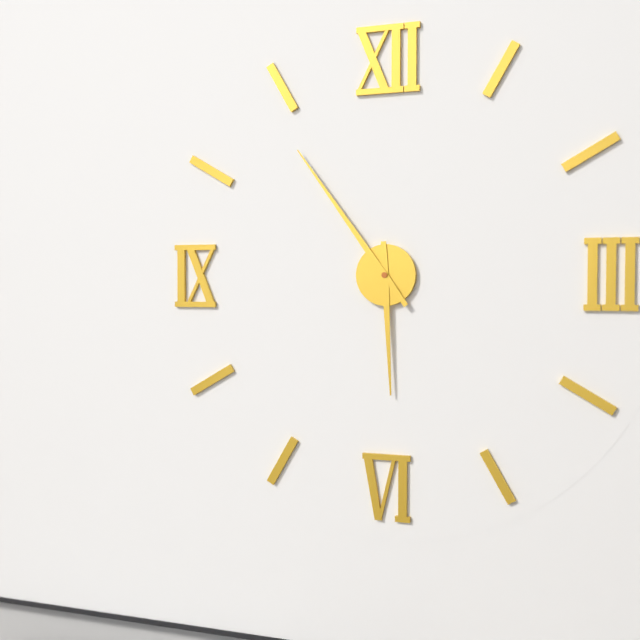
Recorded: {"hour": 5, "minute": 54}
